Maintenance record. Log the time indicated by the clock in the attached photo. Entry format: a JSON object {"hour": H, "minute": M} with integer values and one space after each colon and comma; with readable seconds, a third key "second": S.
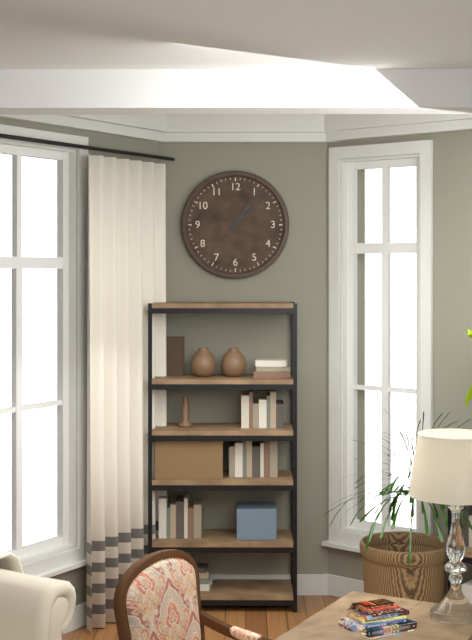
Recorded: {"hour": 1, "minute": 8}
